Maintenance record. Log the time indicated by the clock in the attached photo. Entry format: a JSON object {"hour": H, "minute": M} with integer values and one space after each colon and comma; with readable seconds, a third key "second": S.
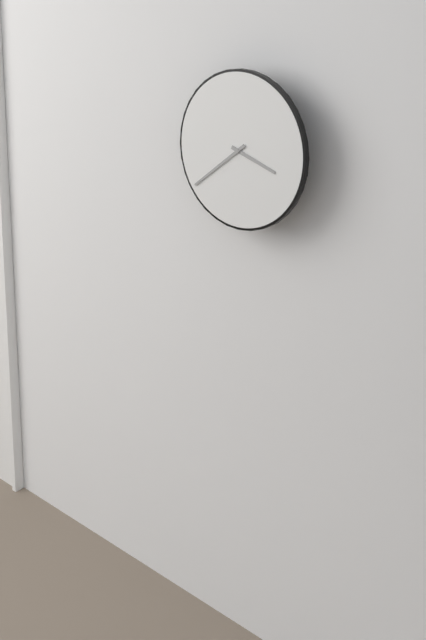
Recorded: {"hour": 3, "minute": 39}
